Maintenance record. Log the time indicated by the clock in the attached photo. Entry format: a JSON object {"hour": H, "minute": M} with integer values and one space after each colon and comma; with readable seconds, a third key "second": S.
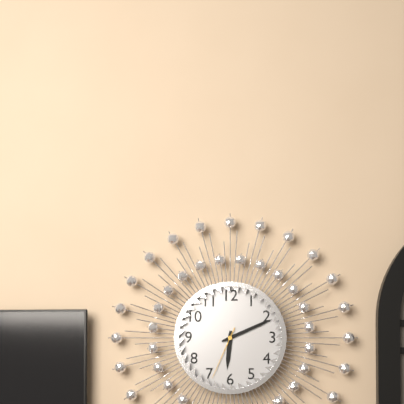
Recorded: {"hour": 6, "minute": 11, "second": 34}
